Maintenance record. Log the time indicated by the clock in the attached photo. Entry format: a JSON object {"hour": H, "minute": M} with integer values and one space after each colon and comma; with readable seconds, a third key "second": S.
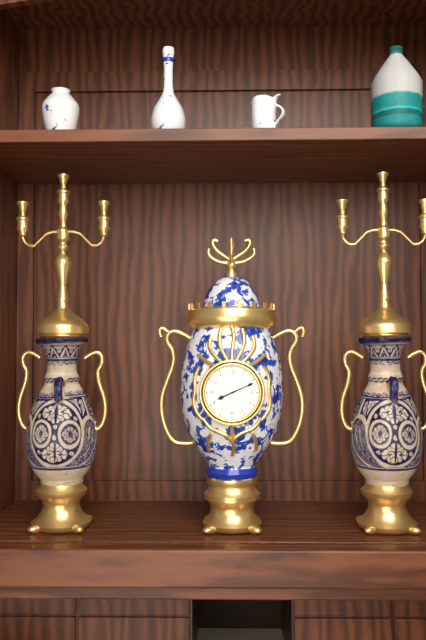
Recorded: {"hour": 8, "minute": 11}
